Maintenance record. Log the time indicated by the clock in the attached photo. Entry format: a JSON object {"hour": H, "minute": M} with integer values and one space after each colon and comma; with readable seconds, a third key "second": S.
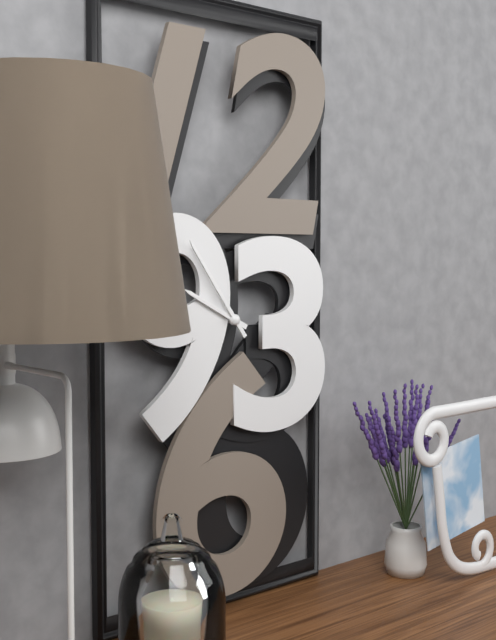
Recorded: {"hour": 9, "minute": 54}
